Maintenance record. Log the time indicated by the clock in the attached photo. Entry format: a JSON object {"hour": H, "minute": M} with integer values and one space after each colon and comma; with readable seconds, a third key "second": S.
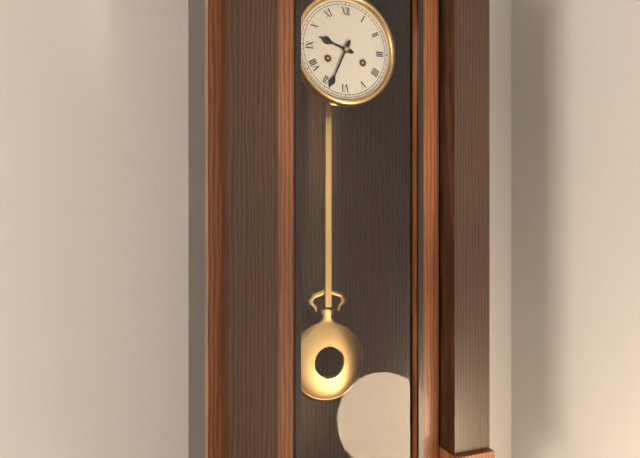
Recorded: {"hour": 9, "minute": 34}
